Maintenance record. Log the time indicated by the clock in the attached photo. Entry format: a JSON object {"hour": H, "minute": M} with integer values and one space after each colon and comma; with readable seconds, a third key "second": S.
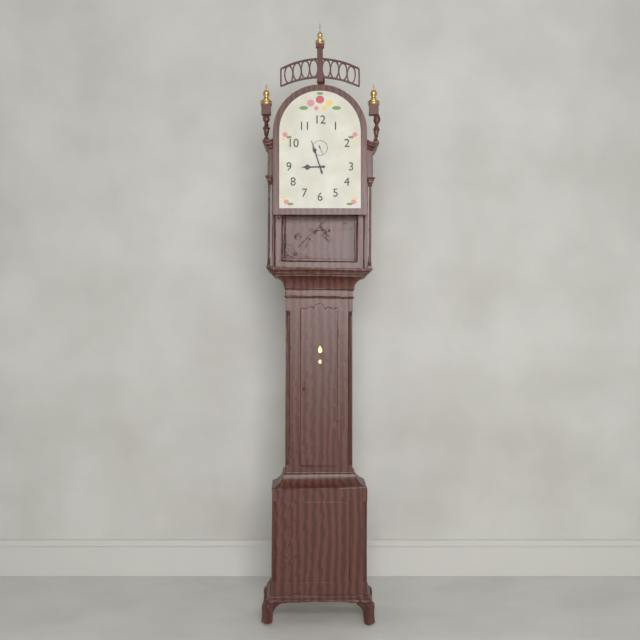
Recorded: {"hour": 8, "minute": 57}
